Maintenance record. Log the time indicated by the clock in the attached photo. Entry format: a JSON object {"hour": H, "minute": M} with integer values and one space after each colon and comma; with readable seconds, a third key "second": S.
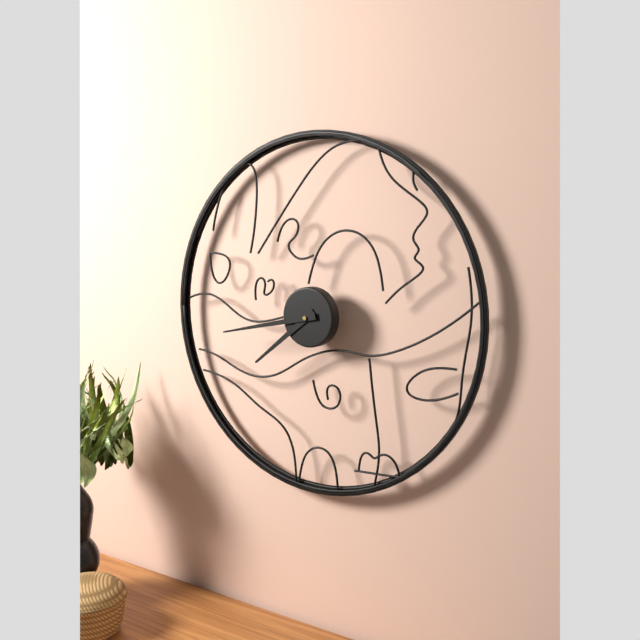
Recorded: {"hour": 7, "minute": 43}
